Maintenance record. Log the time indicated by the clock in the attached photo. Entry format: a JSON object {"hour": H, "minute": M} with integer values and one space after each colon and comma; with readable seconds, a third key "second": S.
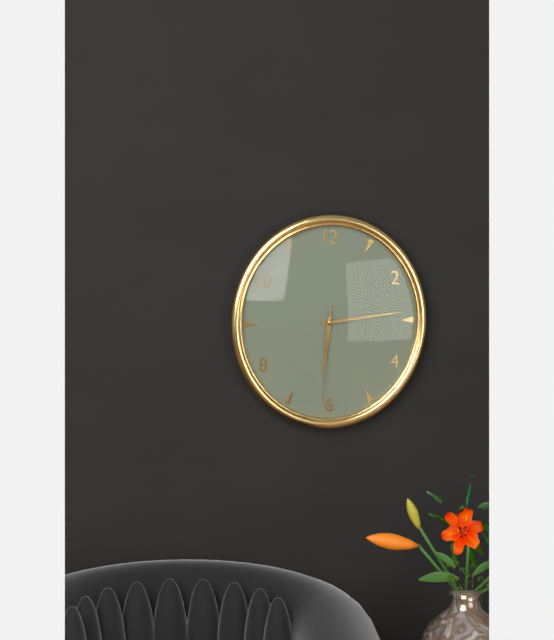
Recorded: {"hour": 6, "minute": 14, "second": 31}
